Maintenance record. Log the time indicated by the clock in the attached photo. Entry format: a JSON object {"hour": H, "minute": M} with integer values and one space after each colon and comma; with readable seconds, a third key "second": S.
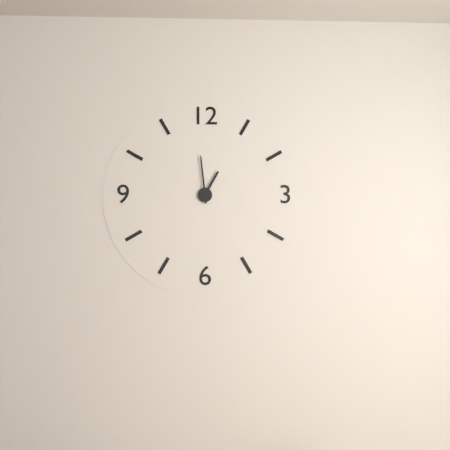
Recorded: {"hour": 12, "minute": 59}
